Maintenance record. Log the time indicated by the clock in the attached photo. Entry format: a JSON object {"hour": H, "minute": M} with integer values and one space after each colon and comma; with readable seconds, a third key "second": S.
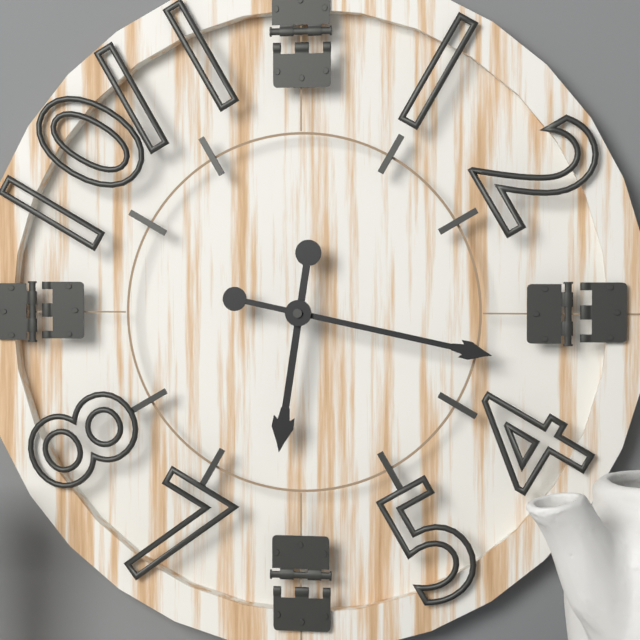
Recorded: {"hour": 6, "minute": 17}
